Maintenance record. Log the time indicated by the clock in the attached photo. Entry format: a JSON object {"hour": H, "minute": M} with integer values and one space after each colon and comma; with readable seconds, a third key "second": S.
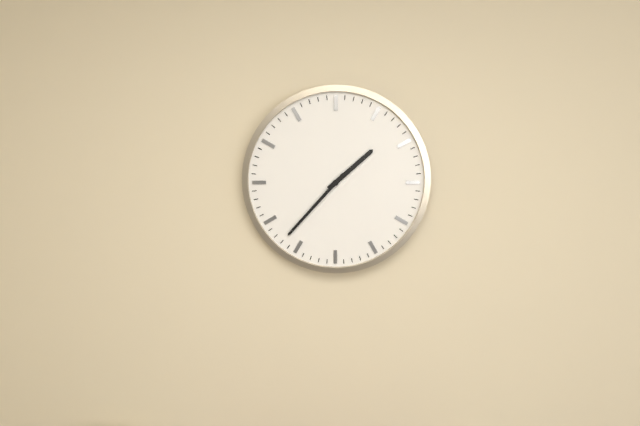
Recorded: {"hour": 1, "minute": 37}
